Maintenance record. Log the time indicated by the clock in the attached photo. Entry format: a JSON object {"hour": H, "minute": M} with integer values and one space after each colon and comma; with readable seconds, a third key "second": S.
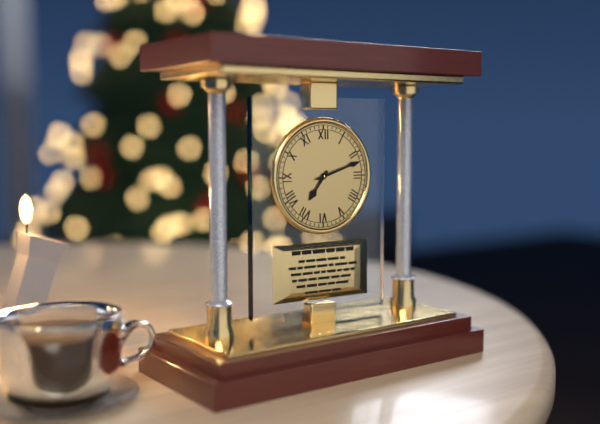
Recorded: {"hour": 7, "minute": 12}
